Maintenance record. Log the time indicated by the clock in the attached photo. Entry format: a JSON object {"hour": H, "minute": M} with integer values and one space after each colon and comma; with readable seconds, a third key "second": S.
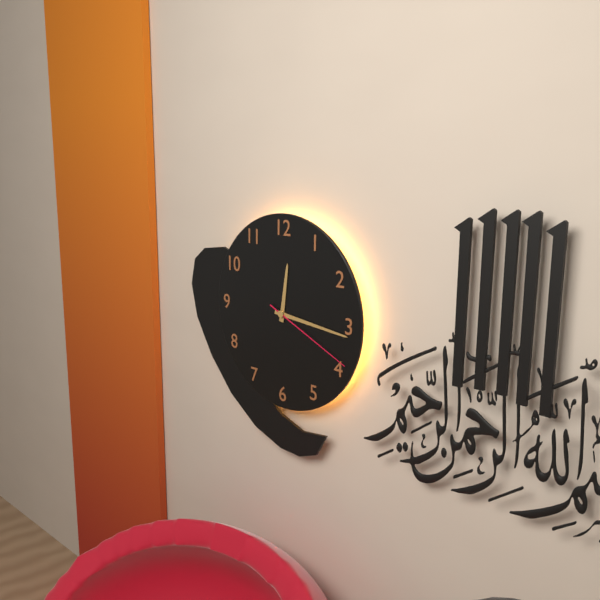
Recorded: {"hour": 12, "minute": 16, "second": 19}
